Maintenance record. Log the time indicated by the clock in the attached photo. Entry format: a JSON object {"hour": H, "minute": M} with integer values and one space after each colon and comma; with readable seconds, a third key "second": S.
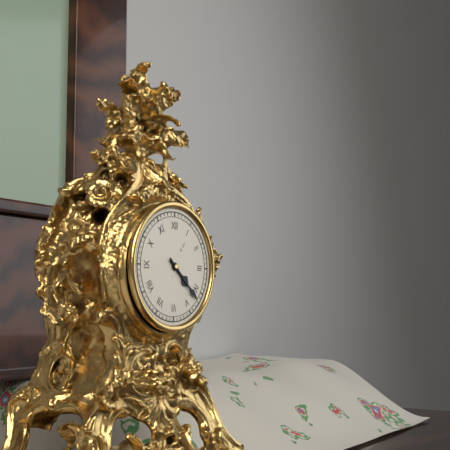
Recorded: {"hour": 4, "minute": 22}
